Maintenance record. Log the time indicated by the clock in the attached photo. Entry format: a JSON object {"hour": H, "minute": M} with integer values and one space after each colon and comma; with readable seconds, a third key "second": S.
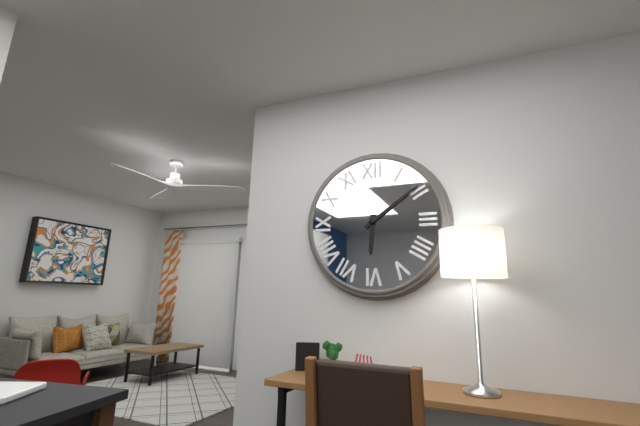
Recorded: {"hour": 6, "minute": 9}
